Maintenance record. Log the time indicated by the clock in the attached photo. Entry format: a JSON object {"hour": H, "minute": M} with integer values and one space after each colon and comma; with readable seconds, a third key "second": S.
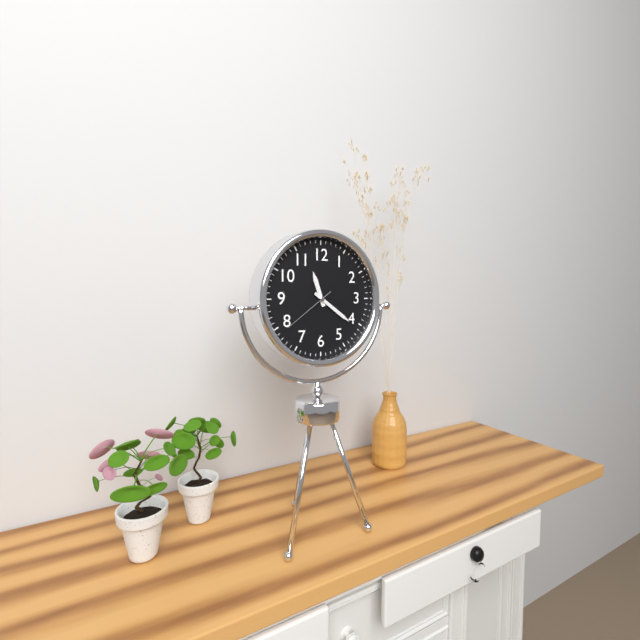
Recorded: {"hour": 11, "minute": 21, "second": 39}
